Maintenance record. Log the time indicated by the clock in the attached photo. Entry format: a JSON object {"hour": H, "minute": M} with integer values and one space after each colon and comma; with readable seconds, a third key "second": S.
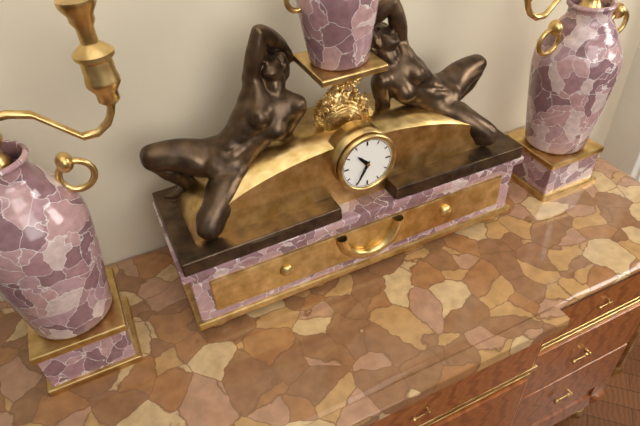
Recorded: {"hour": 10, "minute": 35}
